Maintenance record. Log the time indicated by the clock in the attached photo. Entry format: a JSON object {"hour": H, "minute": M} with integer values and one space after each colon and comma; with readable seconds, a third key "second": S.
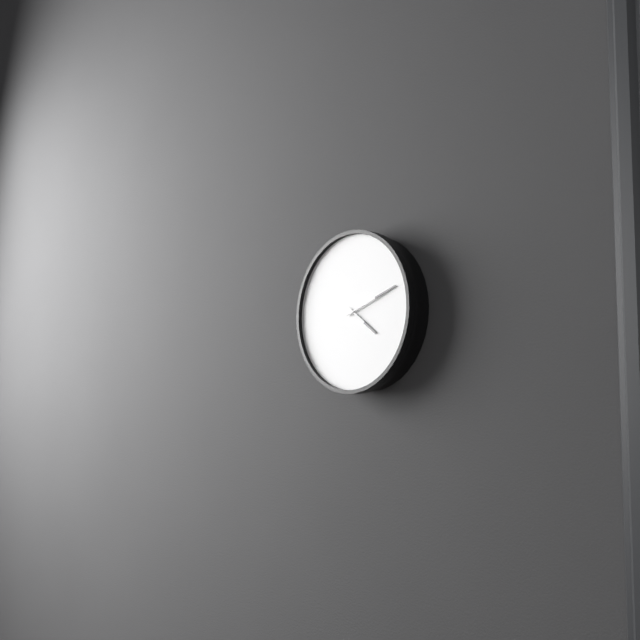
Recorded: {"hour": 4, "minute": 12}
